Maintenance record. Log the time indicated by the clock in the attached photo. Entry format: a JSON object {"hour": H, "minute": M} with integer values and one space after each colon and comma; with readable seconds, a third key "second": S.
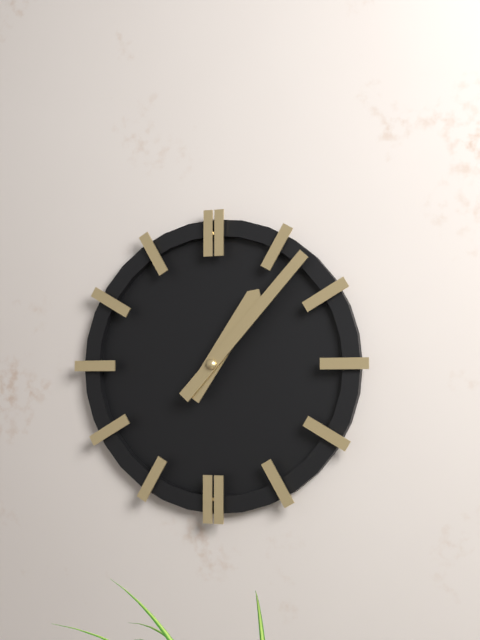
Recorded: {"hour": 1, "minute": 7}
